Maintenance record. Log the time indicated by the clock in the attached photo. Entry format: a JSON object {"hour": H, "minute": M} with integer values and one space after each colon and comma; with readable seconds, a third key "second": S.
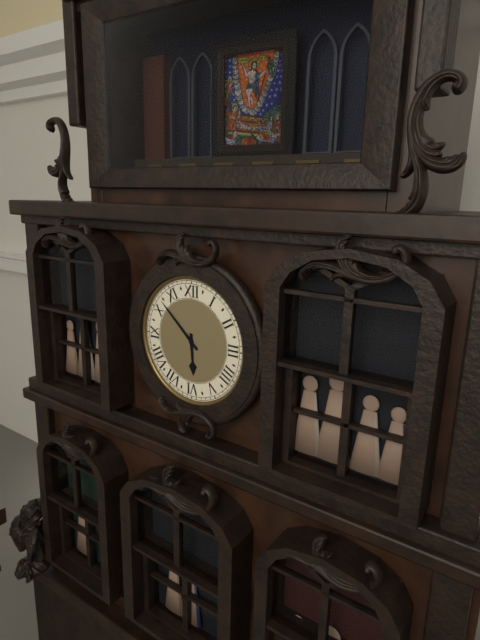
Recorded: {"hour": 5, "minute": 52}
